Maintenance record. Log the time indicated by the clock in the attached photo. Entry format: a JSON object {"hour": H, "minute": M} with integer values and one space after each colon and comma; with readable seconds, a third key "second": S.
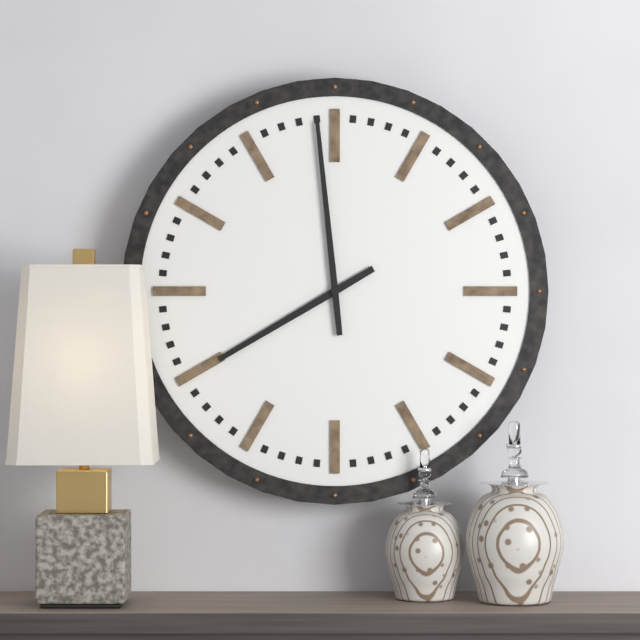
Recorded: {"hour": 7, "minute": 59}
